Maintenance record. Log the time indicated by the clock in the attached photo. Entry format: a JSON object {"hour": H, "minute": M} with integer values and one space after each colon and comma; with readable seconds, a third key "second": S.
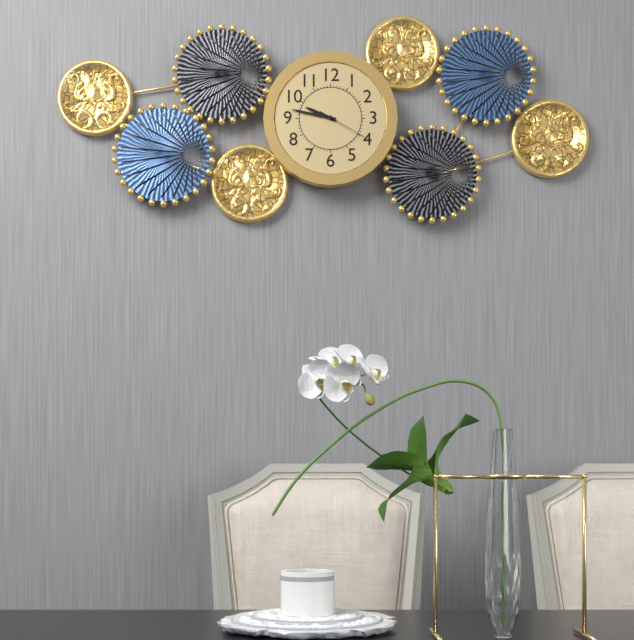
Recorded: {"hour": 9, "minute": 47, "second": 20}
